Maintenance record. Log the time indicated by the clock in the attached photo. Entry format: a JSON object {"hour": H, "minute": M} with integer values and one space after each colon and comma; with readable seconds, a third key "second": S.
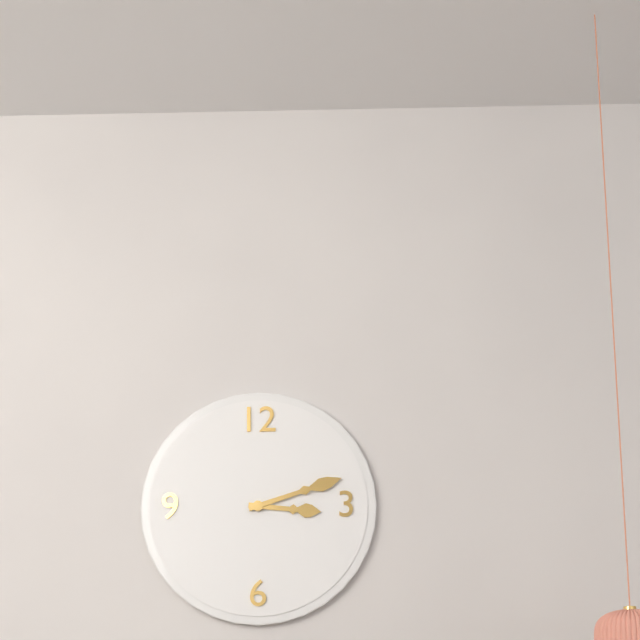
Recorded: {"hour": 3, "minute": 12}
